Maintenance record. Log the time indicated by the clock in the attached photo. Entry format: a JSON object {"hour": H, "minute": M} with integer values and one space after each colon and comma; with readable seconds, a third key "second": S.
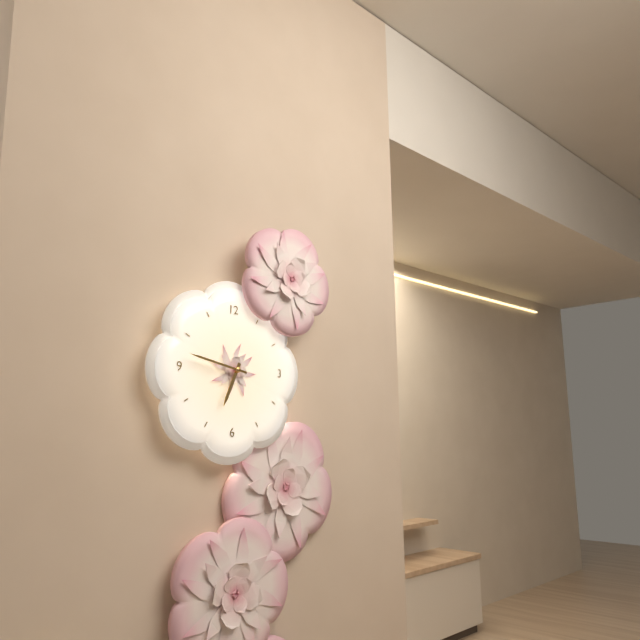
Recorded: {"hour": 6, "minute": 47}
